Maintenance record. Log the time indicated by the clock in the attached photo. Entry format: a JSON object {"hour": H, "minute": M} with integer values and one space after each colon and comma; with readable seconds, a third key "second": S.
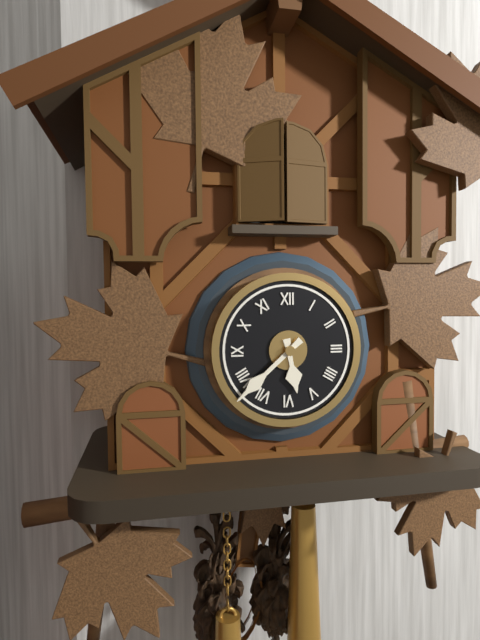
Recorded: {"hour": 5, "minute": 38}
